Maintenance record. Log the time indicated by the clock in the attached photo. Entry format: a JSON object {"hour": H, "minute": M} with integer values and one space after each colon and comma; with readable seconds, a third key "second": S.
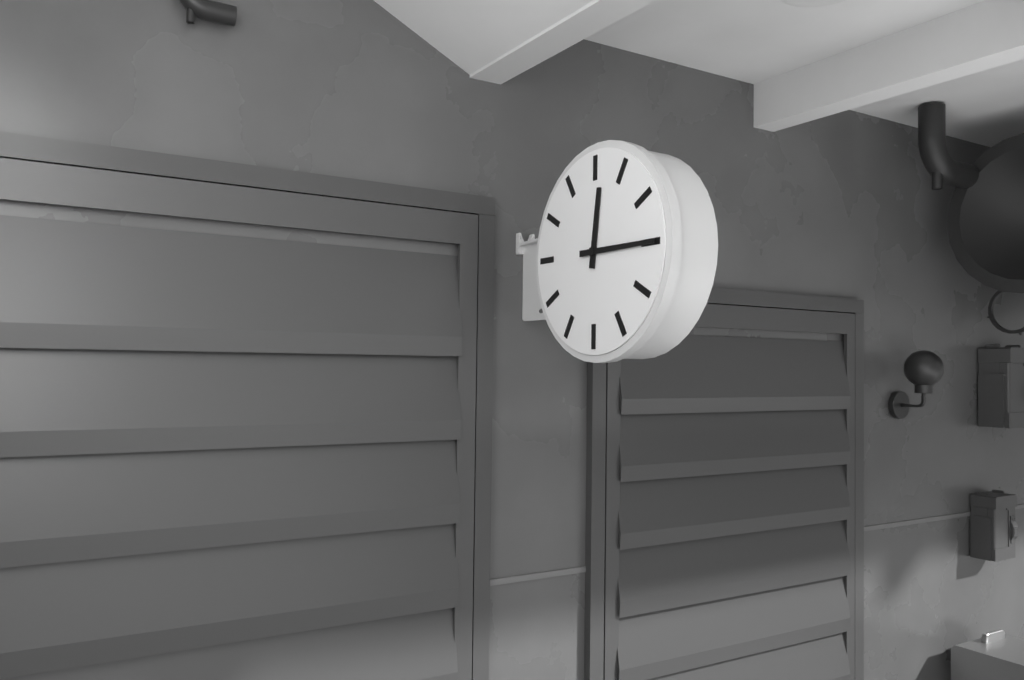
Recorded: {"hour": 12, "minute": 15}
